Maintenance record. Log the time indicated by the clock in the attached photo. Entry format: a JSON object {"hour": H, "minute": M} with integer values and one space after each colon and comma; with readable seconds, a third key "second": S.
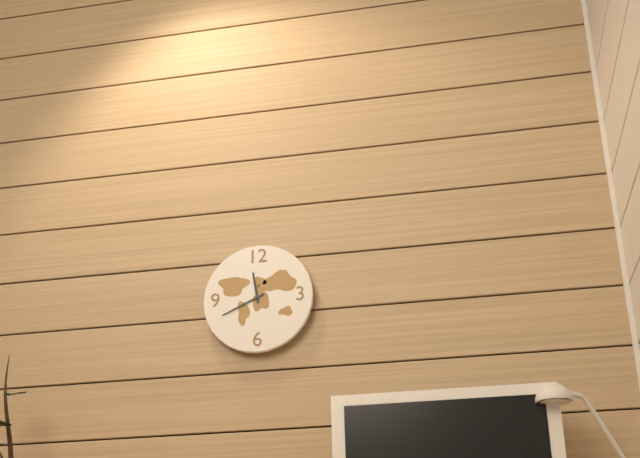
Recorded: {"hour": 11, "minute": 41}
